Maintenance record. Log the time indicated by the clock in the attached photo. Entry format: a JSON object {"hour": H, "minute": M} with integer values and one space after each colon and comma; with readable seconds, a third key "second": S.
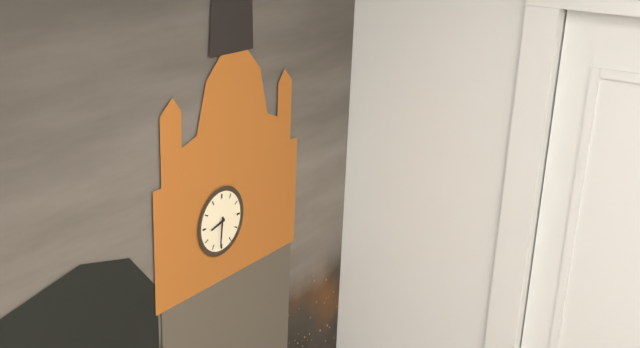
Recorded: {"hour": 8, "minute": 31}
